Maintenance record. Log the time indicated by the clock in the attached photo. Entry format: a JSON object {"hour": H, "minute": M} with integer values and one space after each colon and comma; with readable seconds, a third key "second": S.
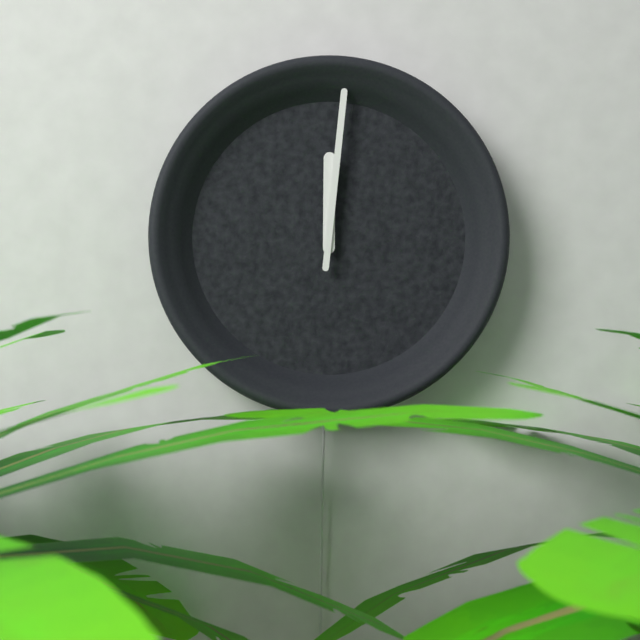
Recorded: {"hour": 12, "minute": 1}
